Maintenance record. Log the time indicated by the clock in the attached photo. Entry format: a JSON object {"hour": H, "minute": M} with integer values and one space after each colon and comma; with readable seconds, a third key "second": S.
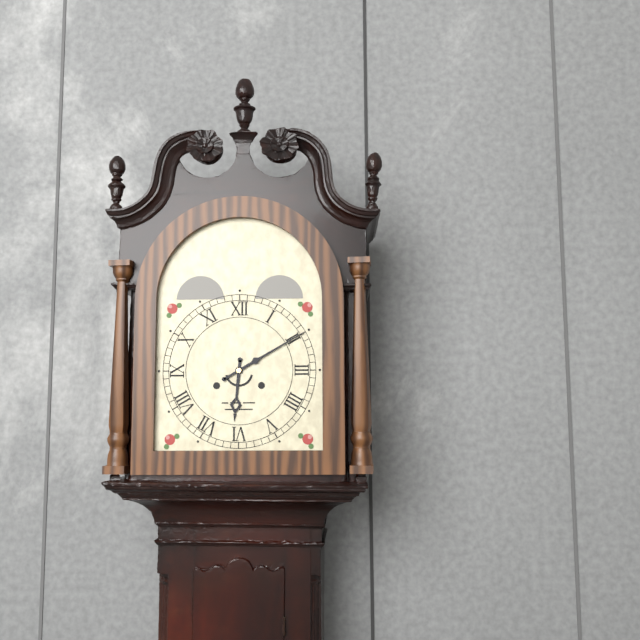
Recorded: {"hour": 6, "minute": 10}
